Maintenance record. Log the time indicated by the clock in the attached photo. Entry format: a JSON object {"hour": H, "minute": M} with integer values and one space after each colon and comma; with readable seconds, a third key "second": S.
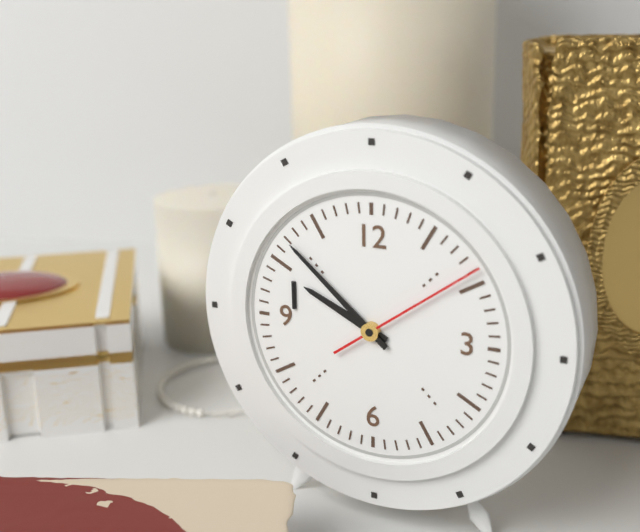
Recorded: {"hour": 9, "minute": 52, "second": 9}
